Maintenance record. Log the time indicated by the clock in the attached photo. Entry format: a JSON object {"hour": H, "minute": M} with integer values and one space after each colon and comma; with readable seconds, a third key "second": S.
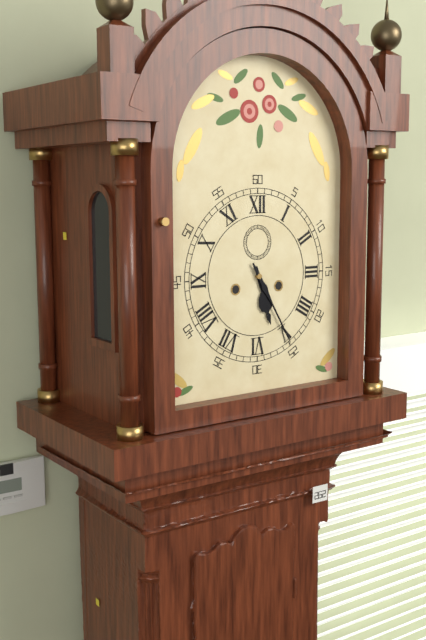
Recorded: {"hour": 5, "minute": 25}
